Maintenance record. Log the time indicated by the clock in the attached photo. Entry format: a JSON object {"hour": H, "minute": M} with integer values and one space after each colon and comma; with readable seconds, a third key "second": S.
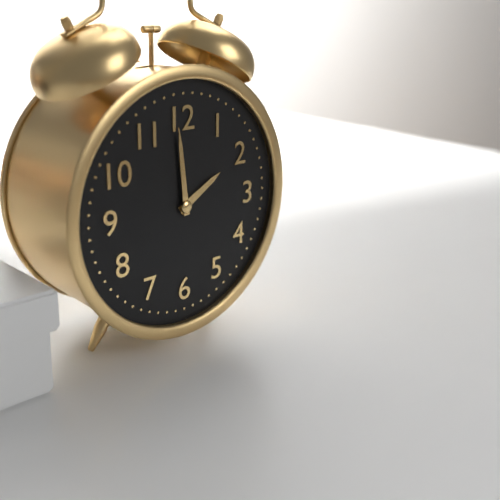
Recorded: {"hour": 1, "minute": 59}
